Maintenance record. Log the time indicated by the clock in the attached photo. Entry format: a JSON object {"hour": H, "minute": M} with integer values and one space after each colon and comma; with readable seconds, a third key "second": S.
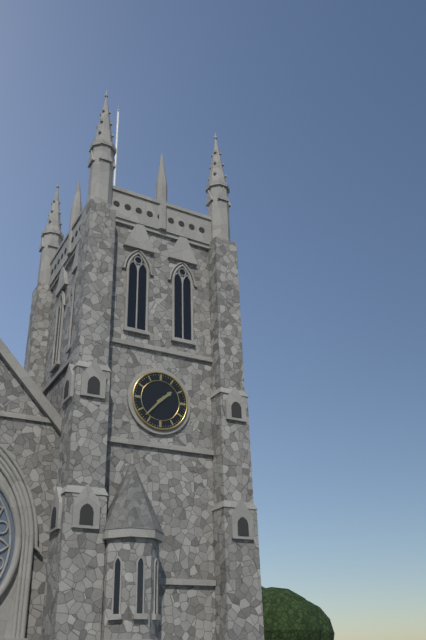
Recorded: {"hour": 1, "minute": 37}
